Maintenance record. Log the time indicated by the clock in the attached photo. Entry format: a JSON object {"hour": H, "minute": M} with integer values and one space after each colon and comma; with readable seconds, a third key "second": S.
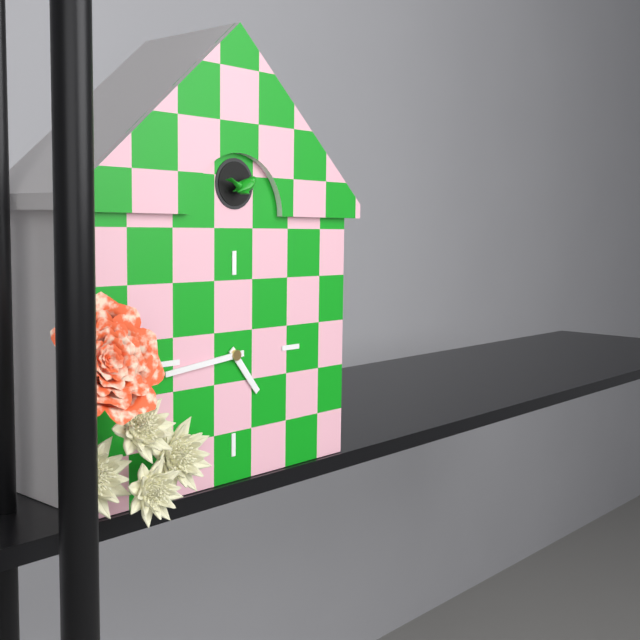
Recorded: {"hour": 4, "minute": 44}
